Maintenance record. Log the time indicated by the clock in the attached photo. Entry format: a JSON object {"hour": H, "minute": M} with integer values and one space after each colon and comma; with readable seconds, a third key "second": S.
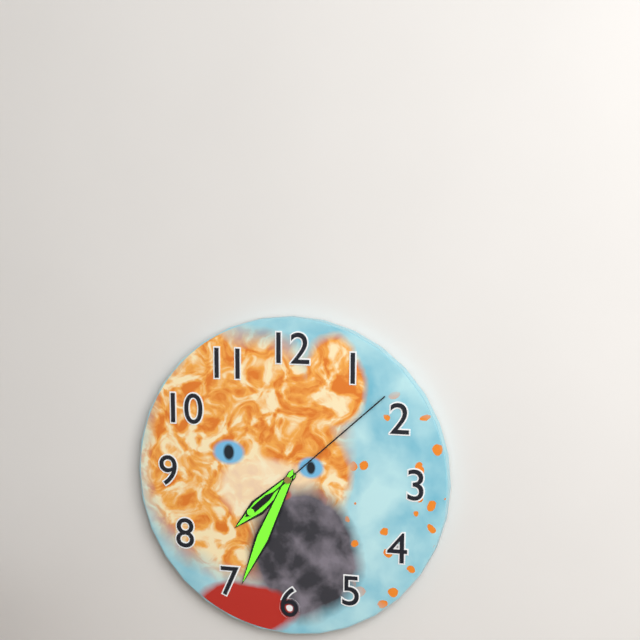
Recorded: {"hour": 7, "minute": 34, "second": 8}
